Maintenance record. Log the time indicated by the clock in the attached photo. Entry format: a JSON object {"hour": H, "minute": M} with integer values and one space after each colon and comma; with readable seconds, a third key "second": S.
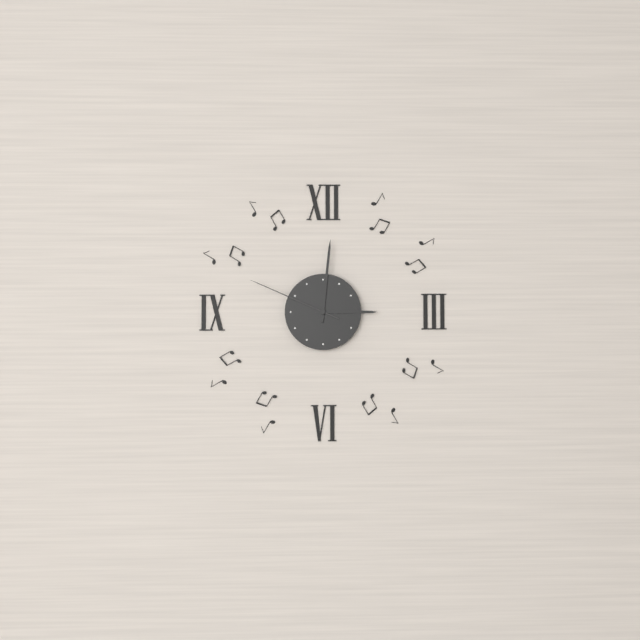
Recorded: {"hour": 3, "minute": 1, "second": 49}
